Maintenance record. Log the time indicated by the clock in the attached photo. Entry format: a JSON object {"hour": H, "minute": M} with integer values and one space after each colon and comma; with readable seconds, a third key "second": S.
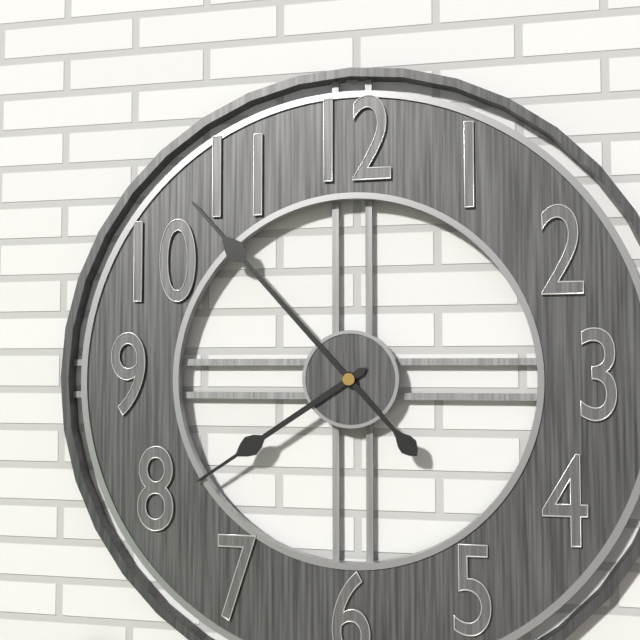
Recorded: {"hour": 7, "minute": 53}
